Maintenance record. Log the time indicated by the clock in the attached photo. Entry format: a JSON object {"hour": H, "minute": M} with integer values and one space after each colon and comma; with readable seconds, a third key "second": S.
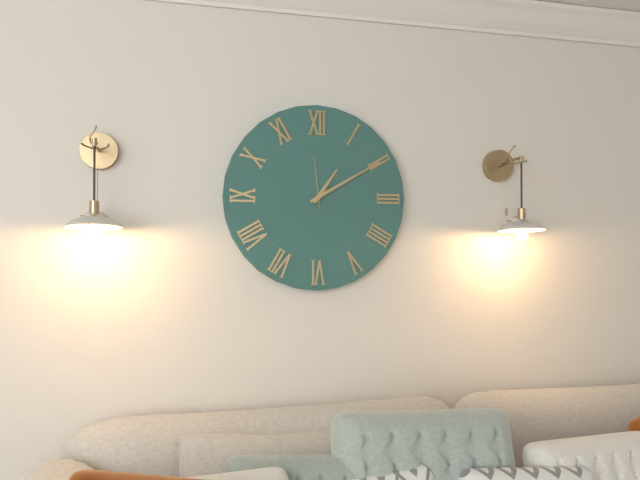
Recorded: {"hour": 1, "minute": 10, "second": 59}
